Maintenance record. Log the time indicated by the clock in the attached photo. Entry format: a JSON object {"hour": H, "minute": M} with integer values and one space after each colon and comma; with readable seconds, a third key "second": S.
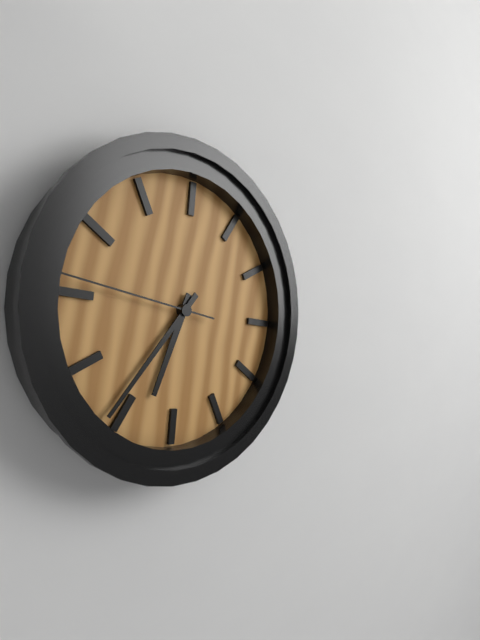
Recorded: {"hour": 6, "minute": 36, "second": 46}
